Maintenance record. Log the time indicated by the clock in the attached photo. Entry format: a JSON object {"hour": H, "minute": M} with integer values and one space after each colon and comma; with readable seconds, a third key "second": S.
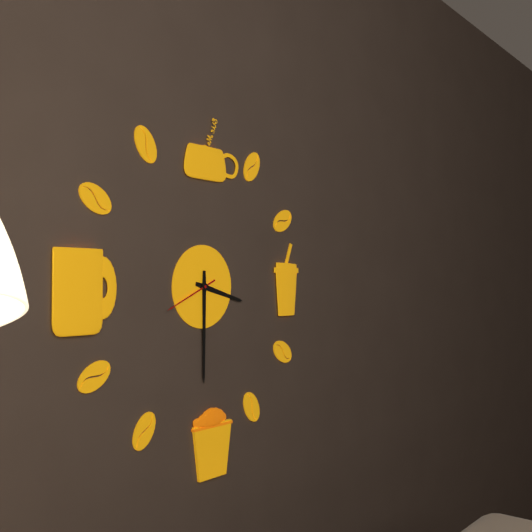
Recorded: {"hour": 3, "minute": 30, "second": 41}
